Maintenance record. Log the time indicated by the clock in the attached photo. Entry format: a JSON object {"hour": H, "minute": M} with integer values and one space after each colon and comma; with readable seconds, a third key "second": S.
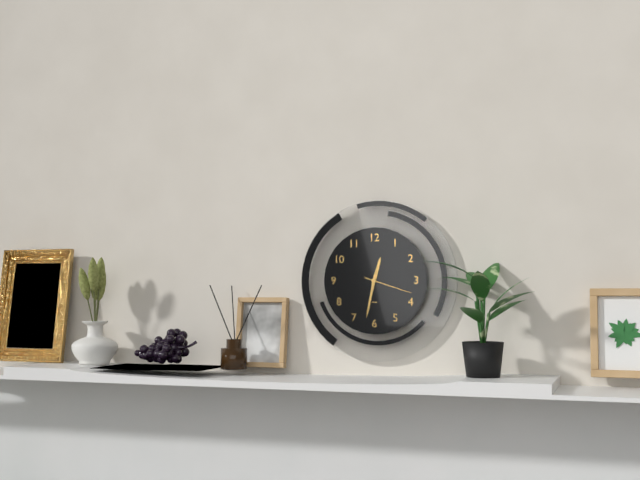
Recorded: {"hour": 12, "minute": 32, "second": 18}
